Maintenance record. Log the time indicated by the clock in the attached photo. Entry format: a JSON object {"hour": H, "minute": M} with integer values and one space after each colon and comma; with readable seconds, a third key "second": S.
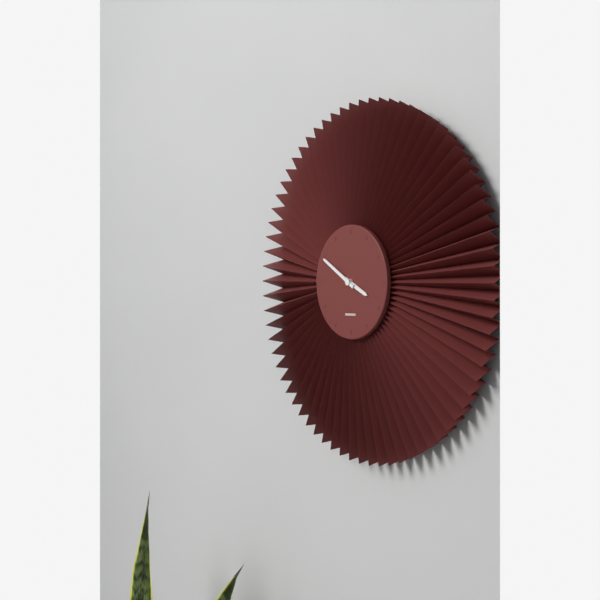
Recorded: {"hour": 3, "minute": 50}
